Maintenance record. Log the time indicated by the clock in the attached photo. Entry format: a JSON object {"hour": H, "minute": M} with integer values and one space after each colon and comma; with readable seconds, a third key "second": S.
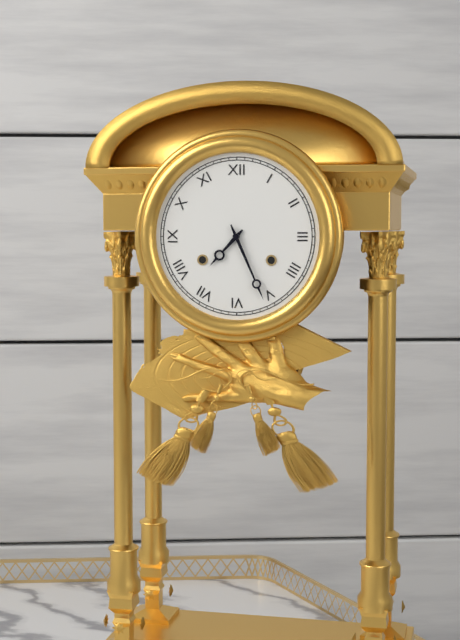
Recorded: {"hour": 7, "minute": 26}
